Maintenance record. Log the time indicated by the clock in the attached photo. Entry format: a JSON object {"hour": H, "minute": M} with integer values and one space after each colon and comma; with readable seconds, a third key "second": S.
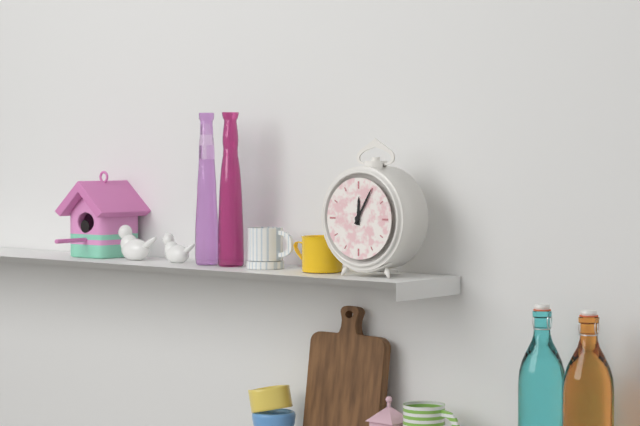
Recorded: {"hour": 12, "minute": 5}
